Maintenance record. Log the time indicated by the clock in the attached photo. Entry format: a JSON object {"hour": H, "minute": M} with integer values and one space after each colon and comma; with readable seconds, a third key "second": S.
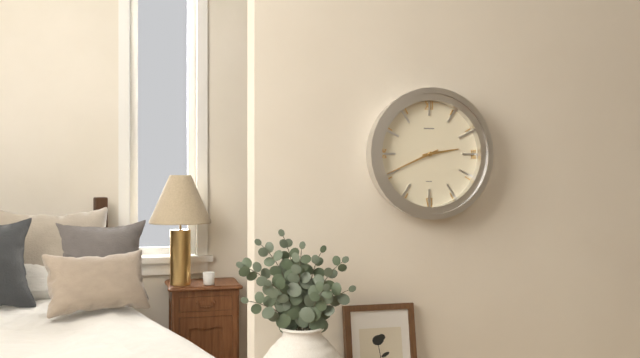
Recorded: {"hour": 2, "minute": 41}
